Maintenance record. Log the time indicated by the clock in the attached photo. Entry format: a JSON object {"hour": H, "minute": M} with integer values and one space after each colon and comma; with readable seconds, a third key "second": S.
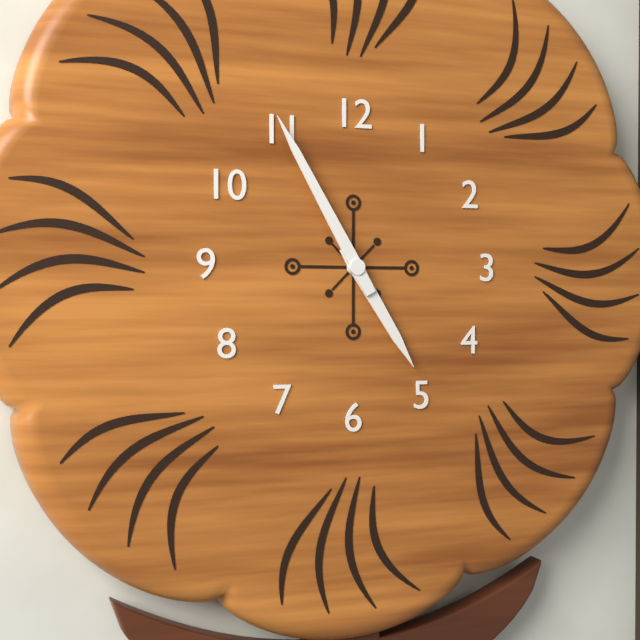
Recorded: {"hour": 4, "minute": 55}
